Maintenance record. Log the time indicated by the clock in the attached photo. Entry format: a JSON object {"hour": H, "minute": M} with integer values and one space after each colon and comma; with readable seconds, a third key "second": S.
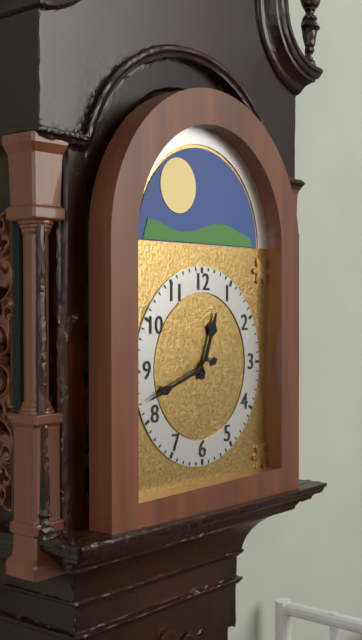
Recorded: {"hour": 12, "minute": 42}
